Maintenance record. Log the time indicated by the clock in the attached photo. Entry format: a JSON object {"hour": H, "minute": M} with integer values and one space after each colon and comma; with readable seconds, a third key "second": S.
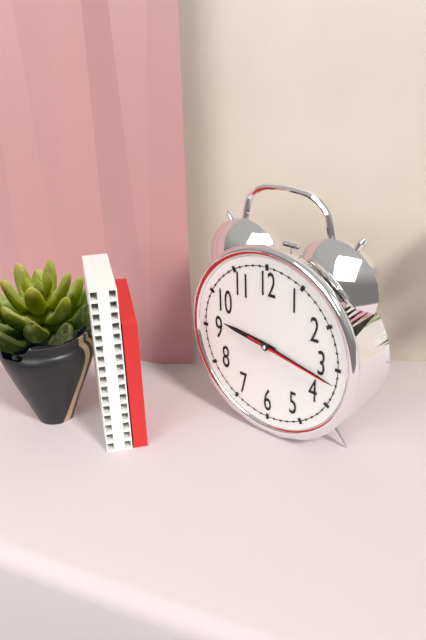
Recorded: {"hour": 9, "minute": 17, "second": 17}
